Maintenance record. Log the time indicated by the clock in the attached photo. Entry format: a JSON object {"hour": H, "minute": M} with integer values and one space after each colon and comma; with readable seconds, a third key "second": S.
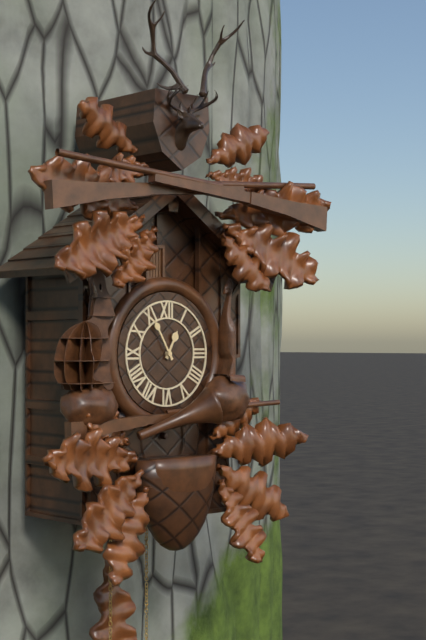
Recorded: {"hour": 12, "minute": 55}
